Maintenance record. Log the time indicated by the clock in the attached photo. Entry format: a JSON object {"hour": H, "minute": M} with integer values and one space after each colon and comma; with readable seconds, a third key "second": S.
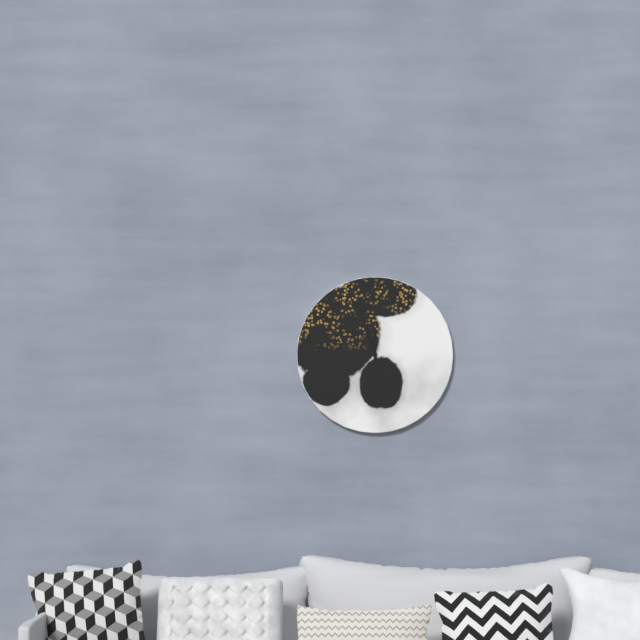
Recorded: {"hour": 11, "minute": 57}
